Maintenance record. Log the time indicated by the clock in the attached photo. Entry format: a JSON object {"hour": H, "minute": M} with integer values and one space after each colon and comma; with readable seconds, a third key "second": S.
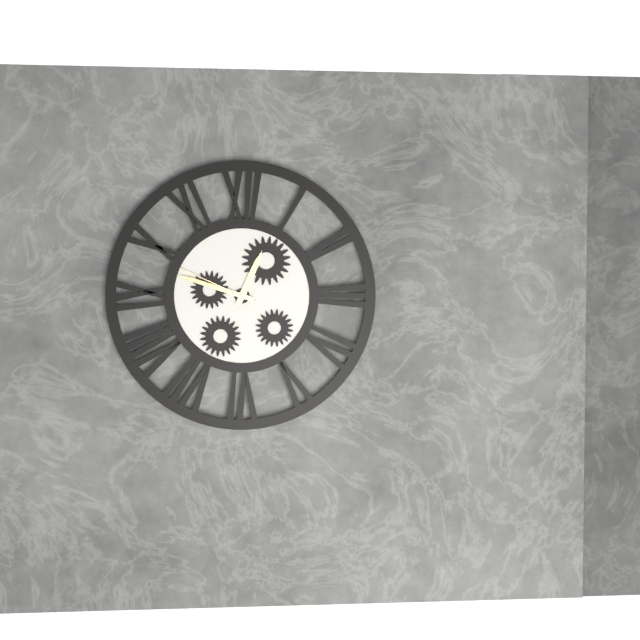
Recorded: {"hour": 12, "minute": 48, "second": 49}
